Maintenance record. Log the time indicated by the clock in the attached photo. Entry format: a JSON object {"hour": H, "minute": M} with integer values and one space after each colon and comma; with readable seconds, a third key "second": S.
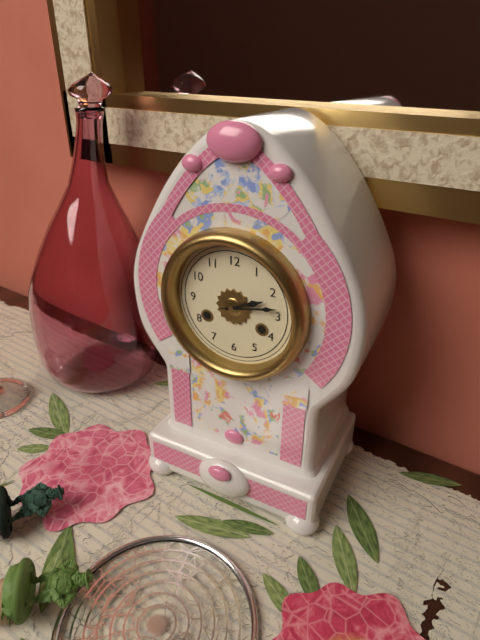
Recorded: {"hour": 2, "minute": 13}
